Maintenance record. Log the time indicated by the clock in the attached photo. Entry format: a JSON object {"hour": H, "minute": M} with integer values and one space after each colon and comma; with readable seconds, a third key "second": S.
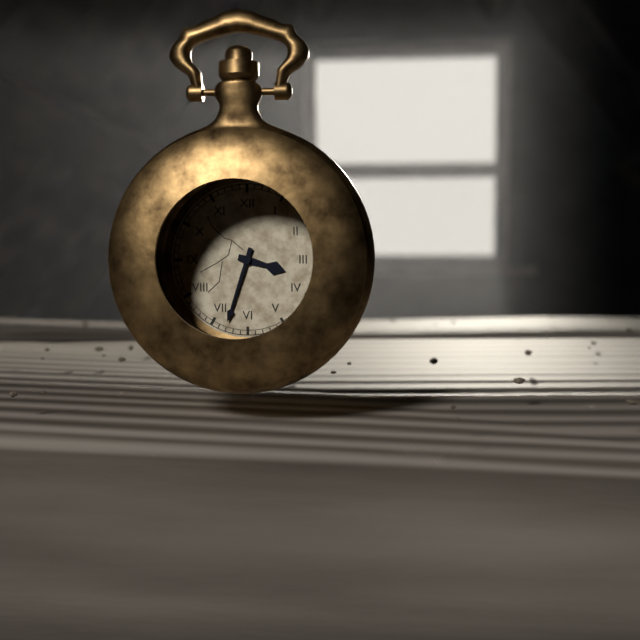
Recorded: {"hour": 3, "minute": 33}
